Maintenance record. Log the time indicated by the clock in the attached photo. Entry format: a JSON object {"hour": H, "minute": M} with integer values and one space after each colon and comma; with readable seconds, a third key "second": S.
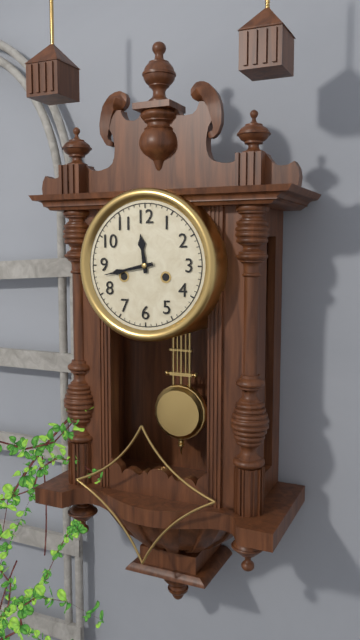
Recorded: {"hour": 11, "minute": 43}
